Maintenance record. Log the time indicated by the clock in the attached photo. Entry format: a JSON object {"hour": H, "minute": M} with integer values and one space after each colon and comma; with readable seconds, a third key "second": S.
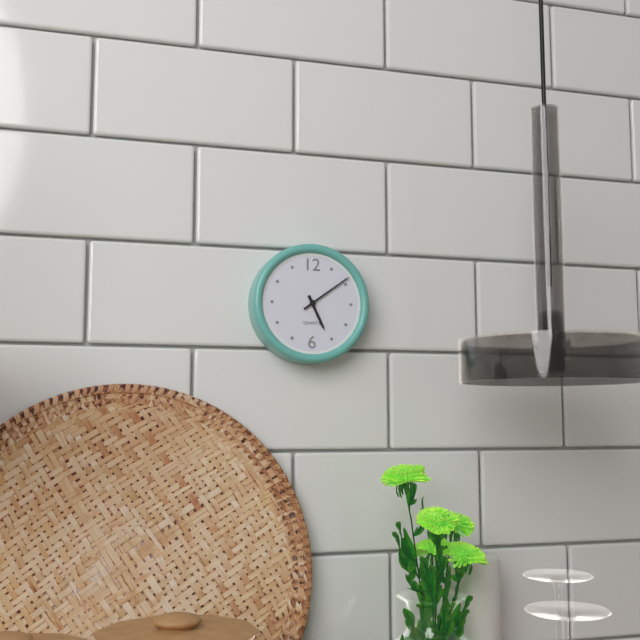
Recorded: {"hour": 5, "minute": 9}
